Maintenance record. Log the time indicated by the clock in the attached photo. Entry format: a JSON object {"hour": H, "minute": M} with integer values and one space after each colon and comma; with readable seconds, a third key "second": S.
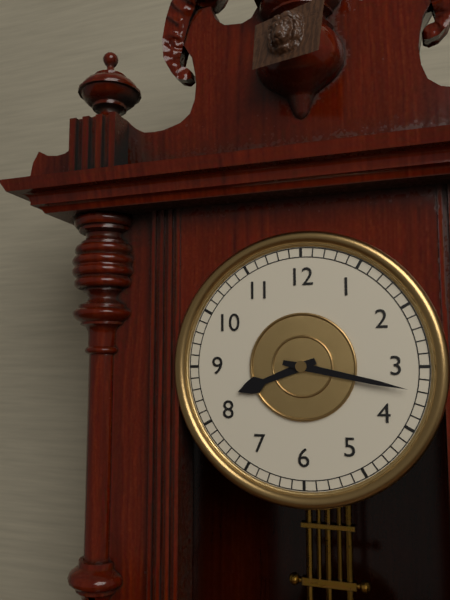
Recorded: {"hour": 8, "minute": 17}
